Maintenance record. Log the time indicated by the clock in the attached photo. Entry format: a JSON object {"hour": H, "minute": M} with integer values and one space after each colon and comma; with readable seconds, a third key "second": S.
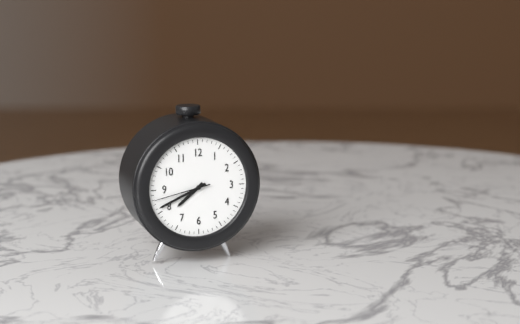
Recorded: {"hour": 7, "minute": 41, "second": 43}
